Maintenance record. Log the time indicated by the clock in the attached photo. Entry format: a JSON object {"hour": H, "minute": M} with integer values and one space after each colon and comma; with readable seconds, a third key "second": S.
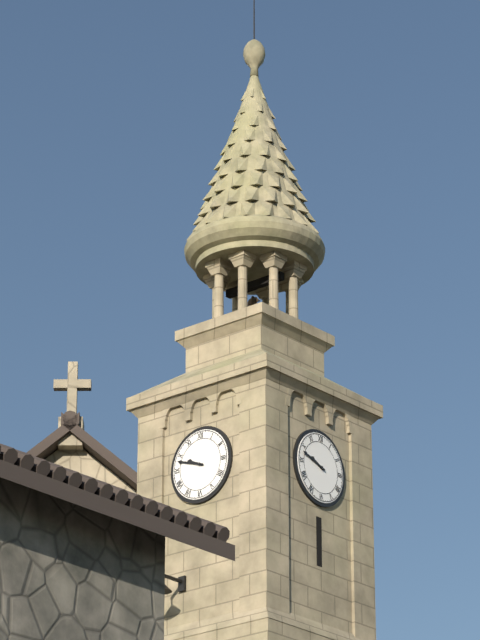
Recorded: {"hour": 9, "minute": 48}
